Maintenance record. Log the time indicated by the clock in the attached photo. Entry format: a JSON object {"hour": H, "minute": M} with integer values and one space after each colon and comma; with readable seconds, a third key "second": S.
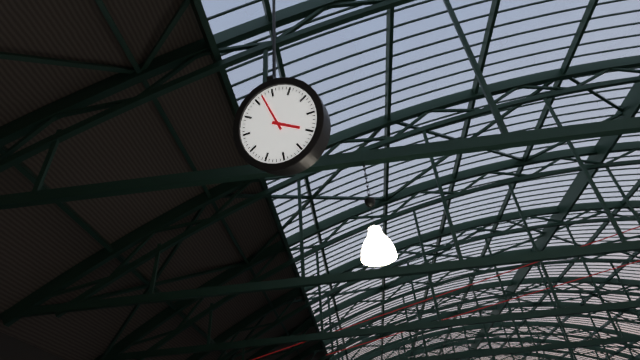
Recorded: {"hour": 3, "minute": 57}
